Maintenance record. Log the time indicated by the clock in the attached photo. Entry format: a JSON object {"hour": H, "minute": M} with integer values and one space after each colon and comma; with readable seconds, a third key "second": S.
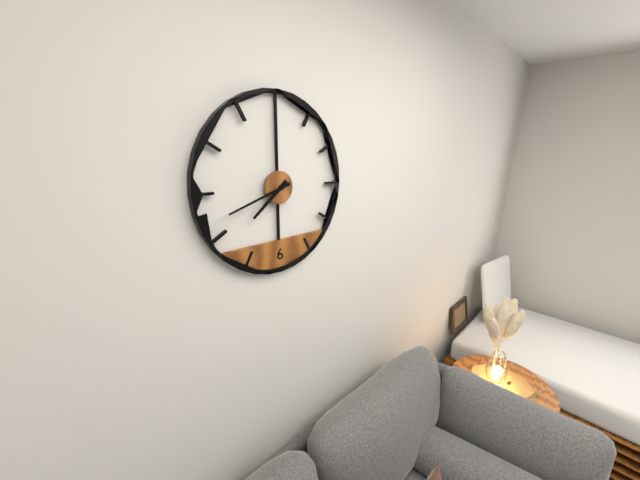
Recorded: {"hour": 7, "minute": 42}
